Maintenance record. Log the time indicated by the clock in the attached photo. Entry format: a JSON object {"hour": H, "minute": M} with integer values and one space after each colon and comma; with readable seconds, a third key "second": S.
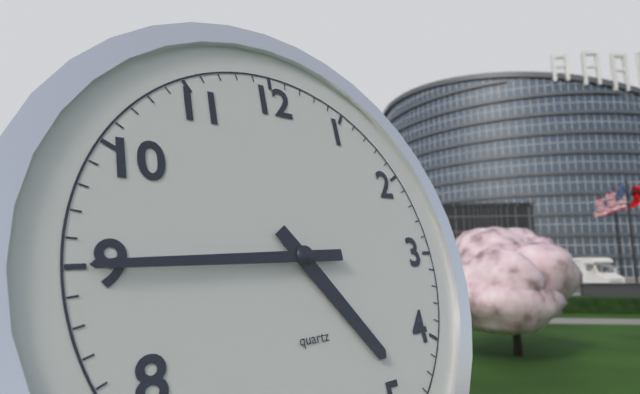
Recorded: {"hour": 4, "minute": 45}
